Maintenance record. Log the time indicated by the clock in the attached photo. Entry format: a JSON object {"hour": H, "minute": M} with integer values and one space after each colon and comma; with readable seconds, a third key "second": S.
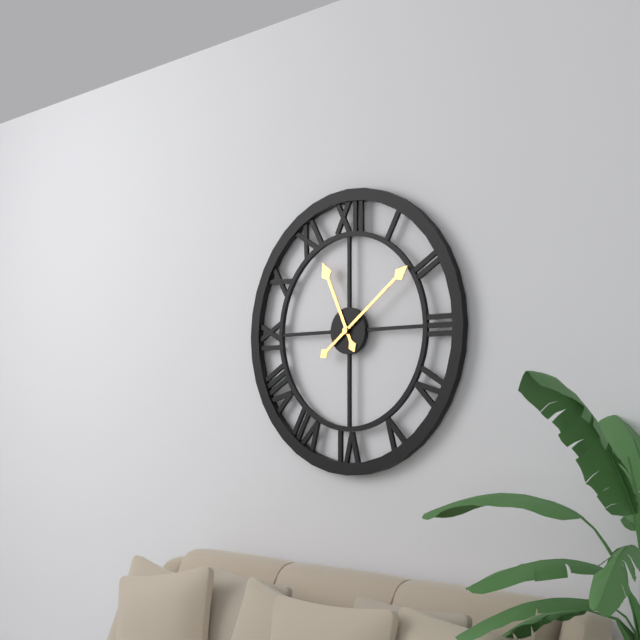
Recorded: {"hour": 11, "minute": 9}
